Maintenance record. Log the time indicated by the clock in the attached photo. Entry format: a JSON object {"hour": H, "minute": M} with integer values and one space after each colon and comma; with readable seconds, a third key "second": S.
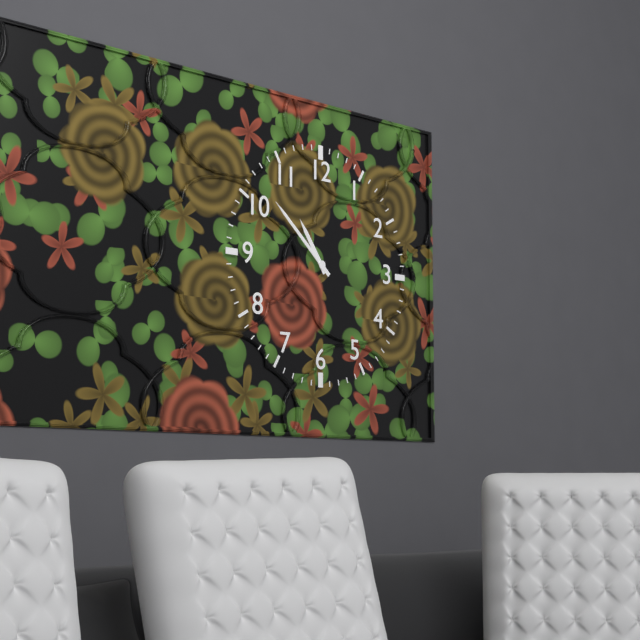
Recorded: {"hour": 10, "minute": 52}
